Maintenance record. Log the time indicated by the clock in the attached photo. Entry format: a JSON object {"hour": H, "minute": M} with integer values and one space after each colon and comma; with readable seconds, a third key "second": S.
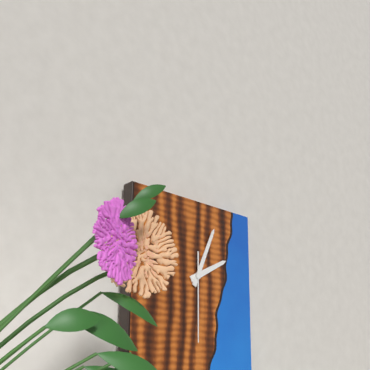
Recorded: {"hour": 2, "minute": 4, "second": 30}
